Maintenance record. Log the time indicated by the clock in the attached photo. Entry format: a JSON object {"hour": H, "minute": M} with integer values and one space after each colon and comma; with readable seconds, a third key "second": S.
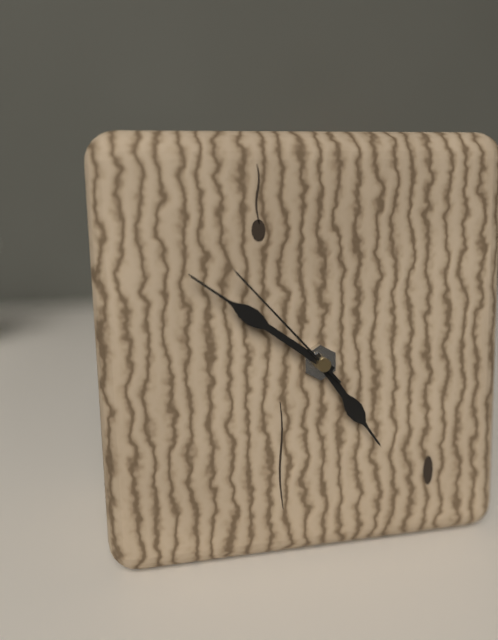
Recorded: {"hour": 4, "minute": 51, "second": 53}
